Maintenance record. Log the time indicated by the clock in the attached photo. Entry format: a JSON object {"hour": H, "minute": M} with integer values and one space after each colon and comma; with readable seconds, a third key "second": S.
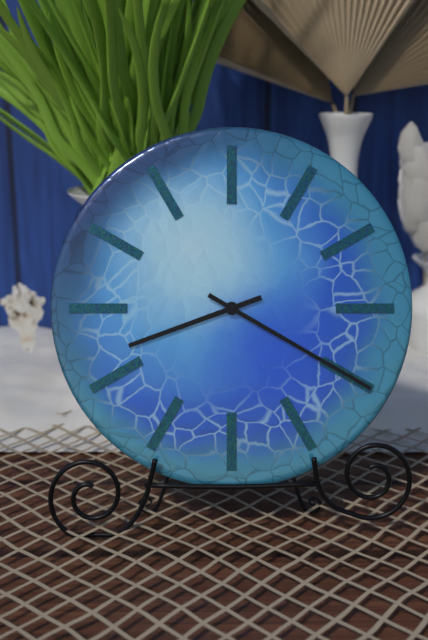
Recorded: {"hour": 8, "minute": 20}
